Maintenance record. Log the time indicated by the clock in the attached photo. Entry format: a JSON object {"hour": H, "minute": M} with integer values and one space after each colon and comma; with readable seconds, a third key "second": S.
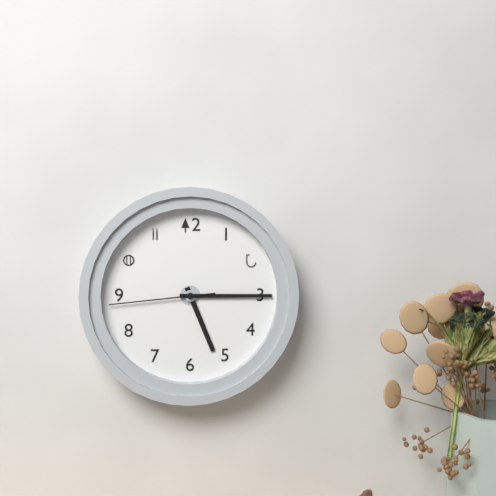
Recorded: {"hour": 5, "minute": 15, "second": 44}
